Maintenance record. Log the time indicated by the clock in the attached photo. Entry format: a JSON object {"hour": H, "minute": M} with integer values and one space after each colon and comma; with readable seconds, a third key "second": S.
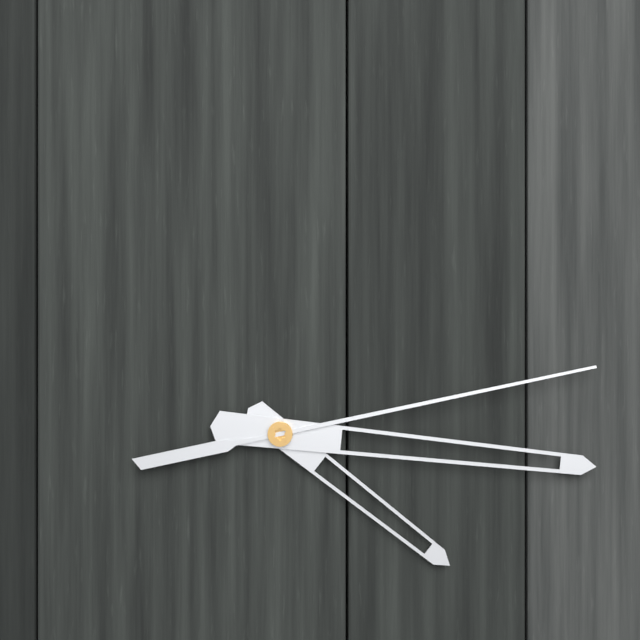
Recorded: {"hour": 4, "minute": 16, "second": 13}
